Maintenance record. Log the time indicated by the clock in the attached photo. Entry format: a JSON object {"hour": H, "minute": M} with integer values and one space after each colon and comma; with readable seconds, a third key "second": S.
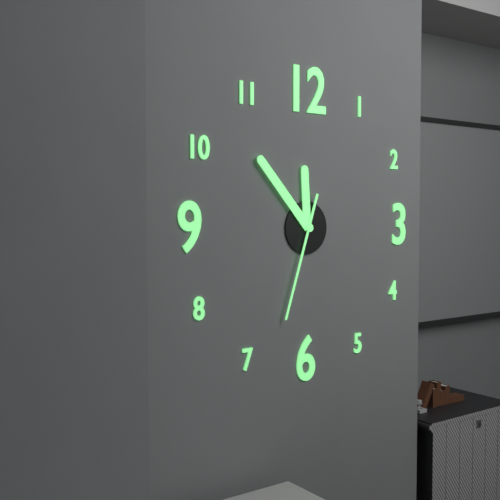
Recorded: {"hour": 11, "minute": 53, "second": 33}
